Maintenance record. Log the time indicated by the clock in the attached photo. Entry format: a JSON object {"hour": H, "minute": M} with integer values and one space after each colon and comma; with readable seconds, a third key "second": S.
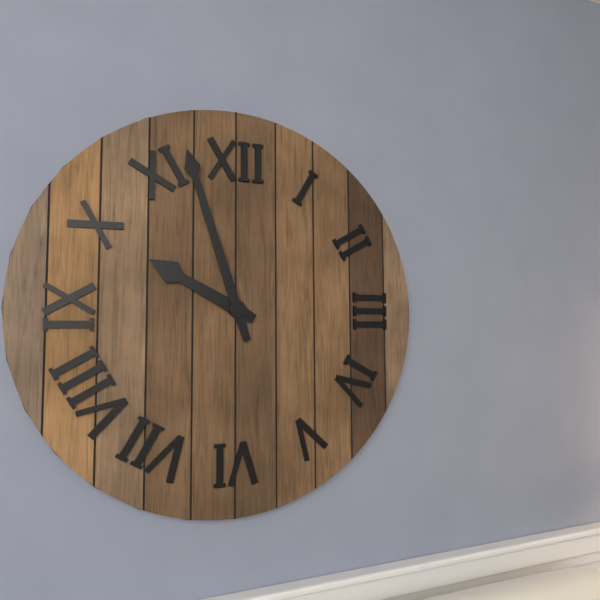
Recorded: {"hour": 9, "minute": 57}
